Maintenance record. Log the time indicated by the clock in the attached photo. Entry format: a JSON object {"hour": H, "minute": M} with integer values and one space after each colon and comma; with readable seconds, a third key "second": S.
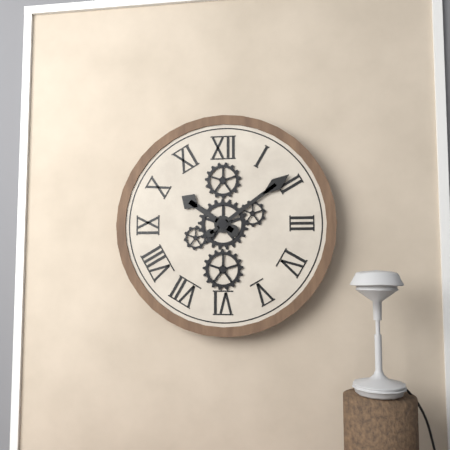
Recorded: {"hour": 10, "minute": 9}
